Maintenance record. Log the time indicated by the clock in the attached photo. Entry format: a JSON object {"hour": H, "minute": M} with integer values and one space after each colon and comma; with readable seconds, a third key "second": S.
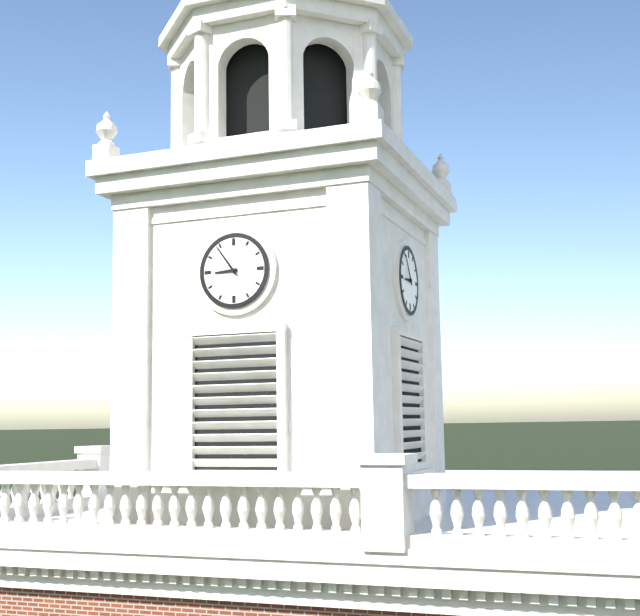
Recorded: {"hour": 8, "minute": 54}
